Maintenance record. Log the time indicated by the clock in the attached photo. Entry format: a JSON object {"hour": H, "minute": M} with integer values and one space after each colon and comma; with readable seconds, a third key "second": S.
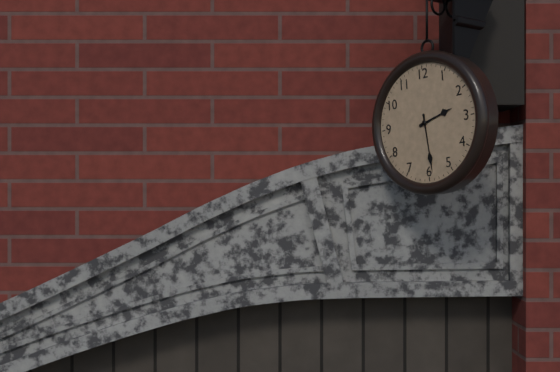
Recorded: {"hour": 2, "minute": 29}
